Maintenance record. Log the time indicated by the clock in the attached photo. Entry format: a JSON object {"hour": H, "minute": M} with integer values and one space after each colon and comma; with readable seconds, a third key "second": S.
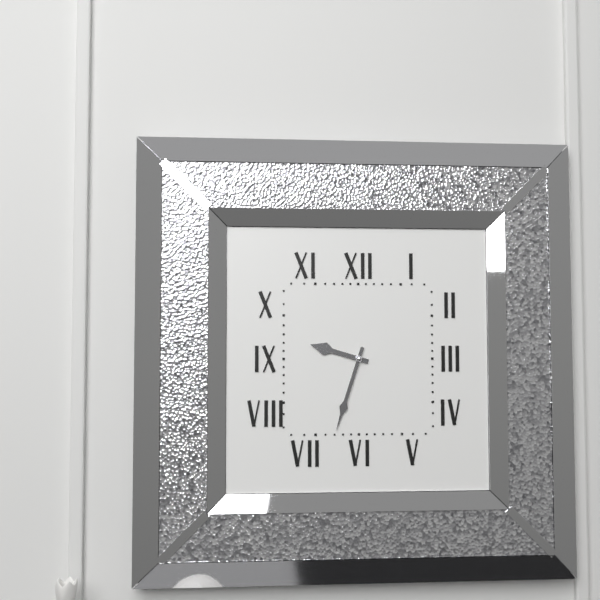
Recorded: {"hour": 9, "minute": 33}
